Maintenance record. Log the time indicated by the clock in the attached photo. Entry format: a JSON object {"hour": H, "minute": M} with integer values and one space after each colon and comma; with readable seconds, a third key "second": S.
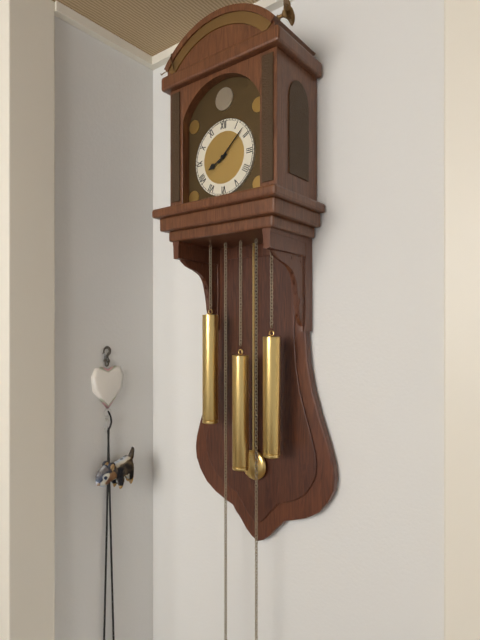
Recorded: {"hour": 8, "minute": 8}
